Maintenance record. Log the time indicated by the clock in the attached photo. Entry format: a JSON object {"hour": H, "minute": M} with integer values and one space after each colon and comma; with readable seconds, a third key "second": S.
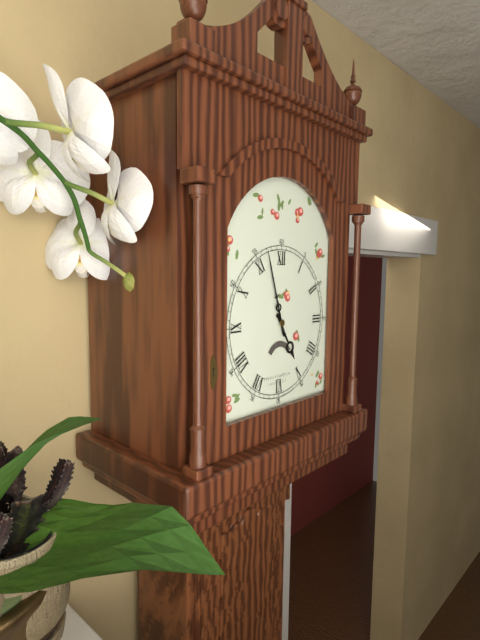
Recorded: {"hour": 4, "minute": 57}
